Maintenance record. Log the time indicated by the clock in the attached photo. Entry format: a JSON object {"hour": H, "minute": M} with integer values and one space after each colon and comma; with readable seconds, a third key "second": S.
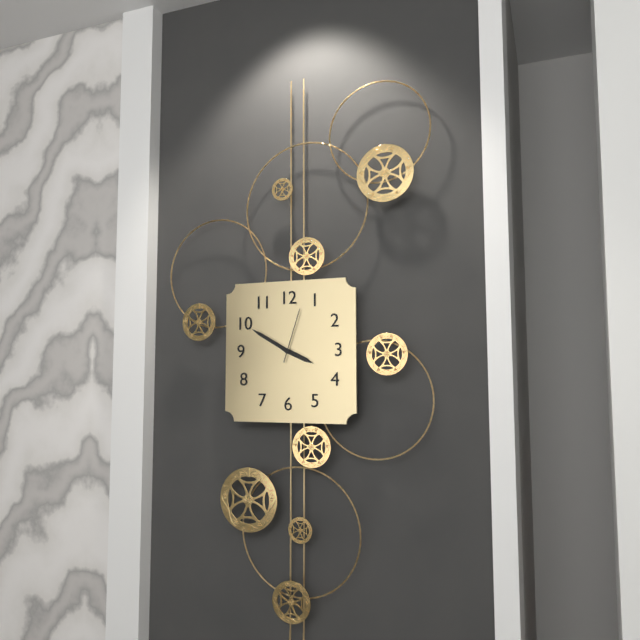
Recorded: {"hour": 3, "minute": 50, "second": 3}
